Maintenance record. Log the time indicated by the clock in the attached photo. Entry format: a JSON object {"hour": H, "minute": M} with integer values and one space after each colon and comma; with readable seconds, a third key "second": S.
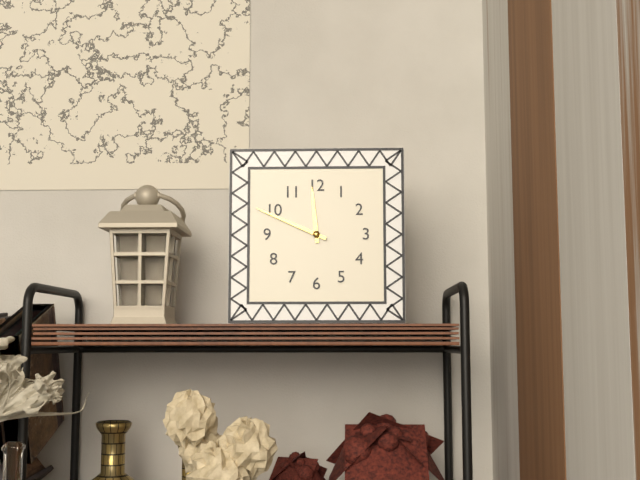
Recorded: {"hour": 11, "minute": 49}
